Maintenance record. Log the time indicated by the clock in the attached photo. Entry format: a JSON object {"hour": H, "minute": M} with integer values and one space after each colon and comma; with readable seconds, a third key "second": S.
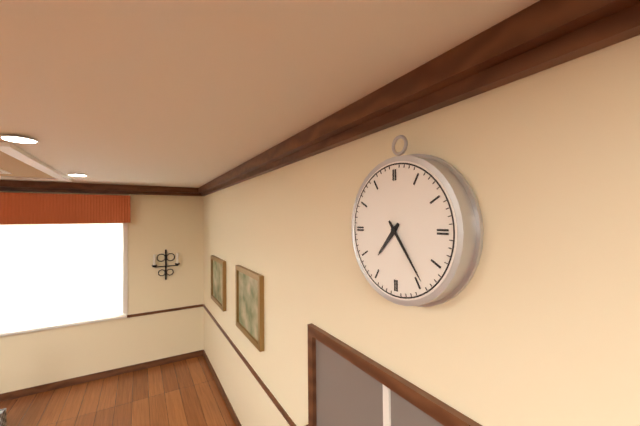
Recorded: {"hour": 7, "minute": 24}
